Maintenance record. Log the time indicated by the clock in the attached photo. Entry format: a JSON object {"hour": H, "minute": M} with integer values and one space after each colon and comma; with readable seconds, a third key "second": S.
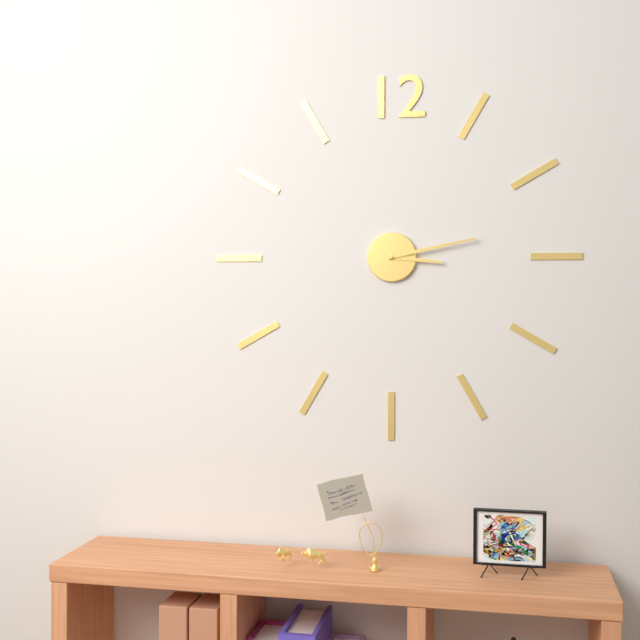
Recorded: {"hour": 3, "minute": 13}
